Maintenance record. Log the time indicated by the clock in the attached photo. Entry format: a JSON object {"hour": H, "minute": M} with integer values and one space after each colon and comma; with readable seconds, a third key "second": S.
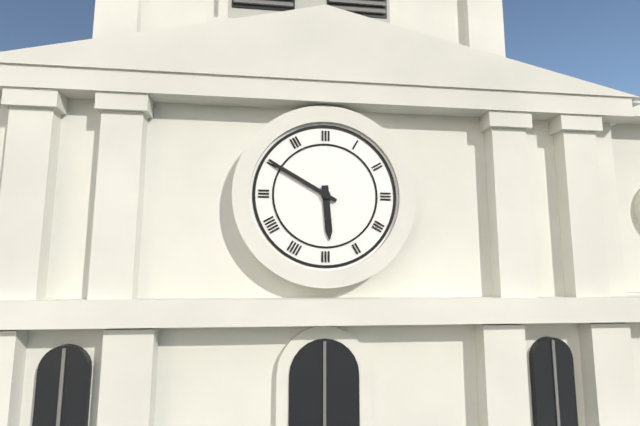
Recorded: {"hour": 5, "minute": 50}
